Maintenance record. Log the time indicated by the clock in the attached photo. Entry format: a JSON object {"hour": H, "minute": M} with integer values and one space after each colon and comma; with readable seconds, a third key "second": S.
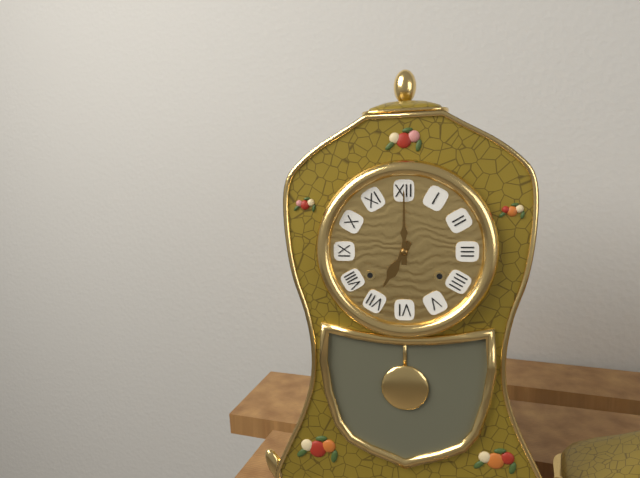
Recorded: {"hour": 7, "minute": 0}
